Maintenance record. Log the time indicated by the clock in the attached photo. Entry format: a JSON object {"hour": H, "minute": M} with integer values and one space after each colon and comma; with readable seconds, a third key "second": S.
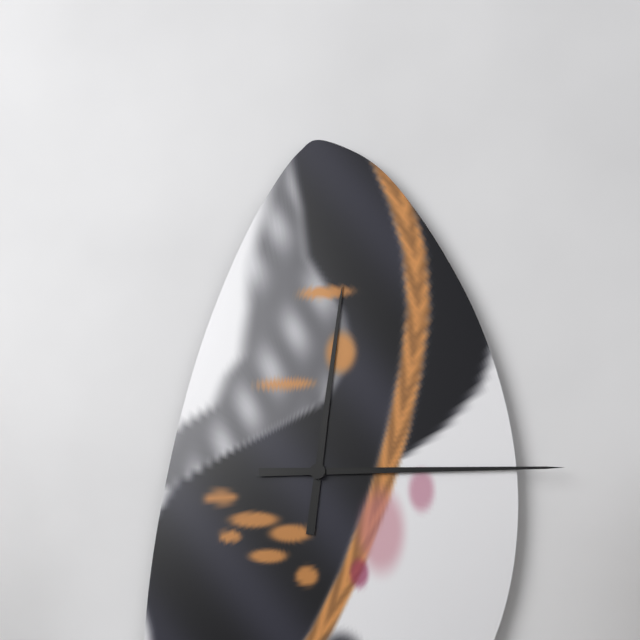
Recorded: {"hour": 12, "minute": 15}
